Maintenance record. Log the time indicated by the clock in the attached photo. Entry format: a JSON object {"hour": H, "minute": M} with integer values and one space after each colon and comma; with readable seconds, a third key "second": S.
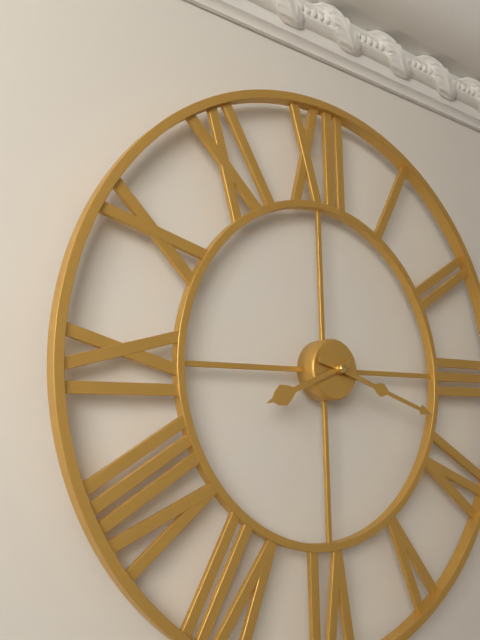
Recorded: {"hour": 8, "minute": 18}
